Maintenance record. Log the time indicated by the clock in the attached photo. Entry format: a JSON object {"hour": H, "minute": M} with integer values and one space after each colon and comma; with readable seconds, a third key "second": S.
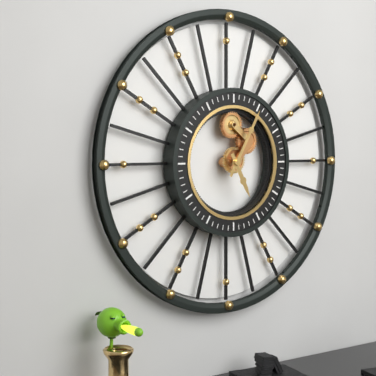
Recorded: {"hour": 5, "minute": 5}
